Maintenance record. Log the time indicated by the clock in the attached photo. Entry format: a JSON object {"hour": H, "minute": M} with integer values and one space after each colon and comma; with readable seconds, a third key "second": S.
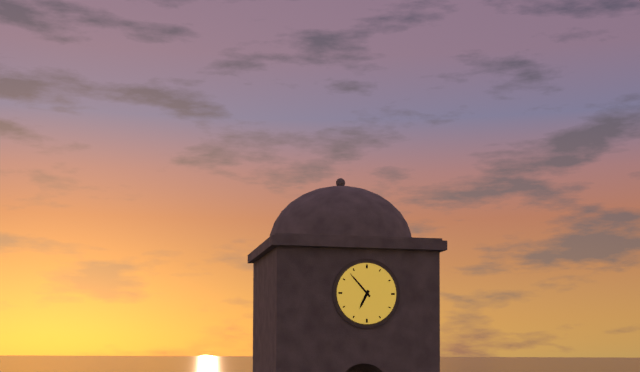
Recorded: {"hour": 6, "minute": 53}
